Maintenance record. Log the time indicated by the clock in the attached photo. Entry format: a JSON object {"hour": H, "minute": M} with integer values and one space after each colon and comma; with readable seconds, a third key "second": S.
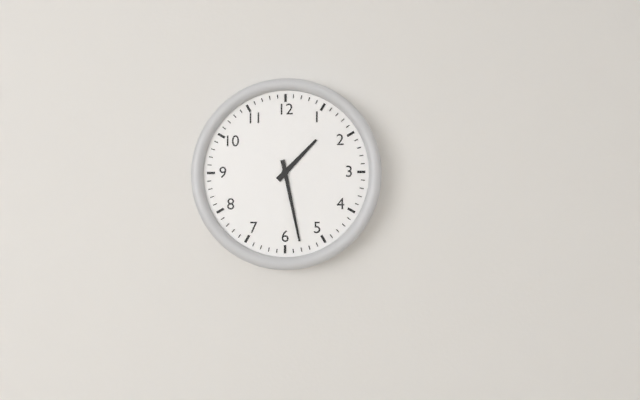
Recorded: {"hour": 1, "minute": 28}
